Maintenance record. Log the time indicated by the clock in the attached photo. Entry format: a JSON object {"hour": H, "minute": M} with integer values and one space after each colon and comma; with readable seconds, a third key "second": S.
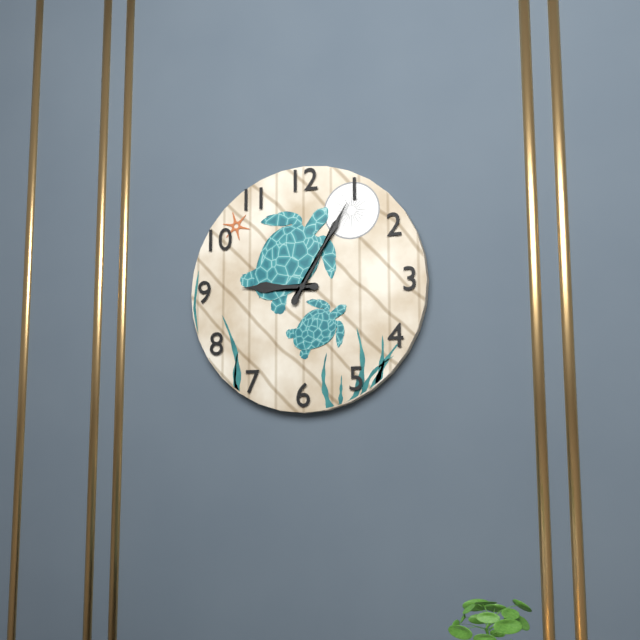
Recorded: {"hour": 9, "minute": 5}
